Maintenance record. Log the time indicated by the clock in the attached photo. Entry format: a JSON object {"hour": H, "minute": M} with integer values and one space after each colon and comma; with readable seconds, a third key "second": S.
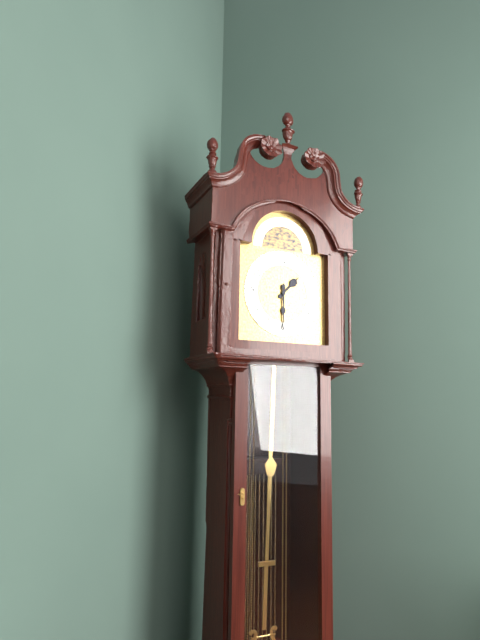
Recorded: {"hour": 1, "minute": 30}
